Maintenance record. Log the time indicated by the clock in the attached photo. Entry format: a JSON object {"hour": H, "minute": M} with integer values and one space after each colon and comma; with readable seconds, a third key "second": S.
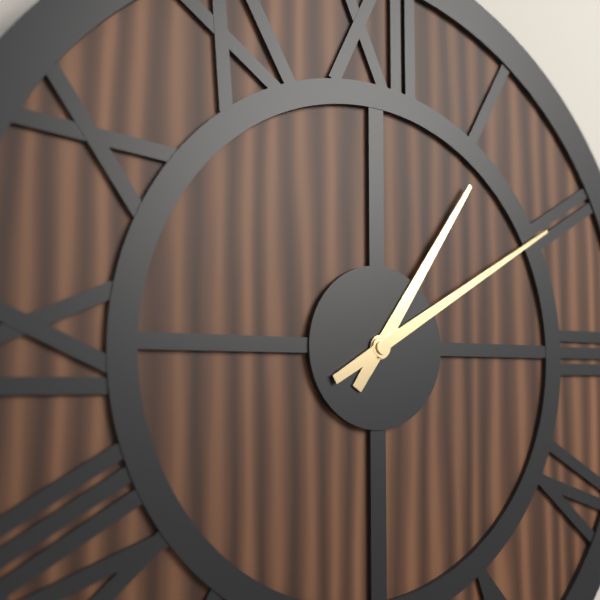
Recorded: {"hour": 1, "minute": 10}
